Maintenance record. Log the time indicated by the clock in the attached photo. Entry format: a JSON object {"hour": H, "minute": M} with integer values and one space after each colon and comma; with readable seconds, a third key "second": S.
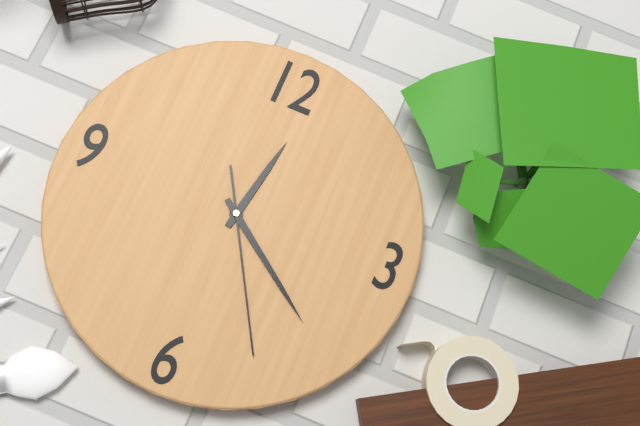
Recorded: {"hour": 12, "minute": 21, "second": 25}
